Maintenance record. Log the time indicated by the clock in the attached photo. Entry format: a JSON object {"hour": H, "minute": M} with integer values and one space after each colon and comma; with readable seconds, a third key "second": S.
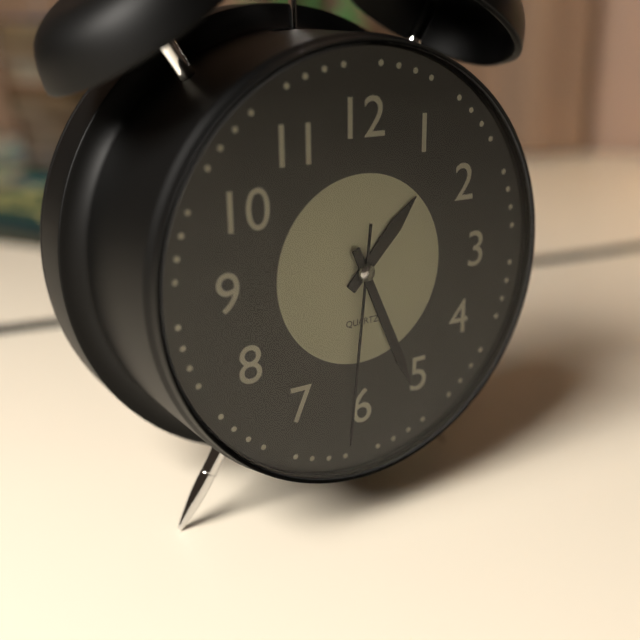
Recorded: {"hour": 1, "minute": 26, "second": 31}
